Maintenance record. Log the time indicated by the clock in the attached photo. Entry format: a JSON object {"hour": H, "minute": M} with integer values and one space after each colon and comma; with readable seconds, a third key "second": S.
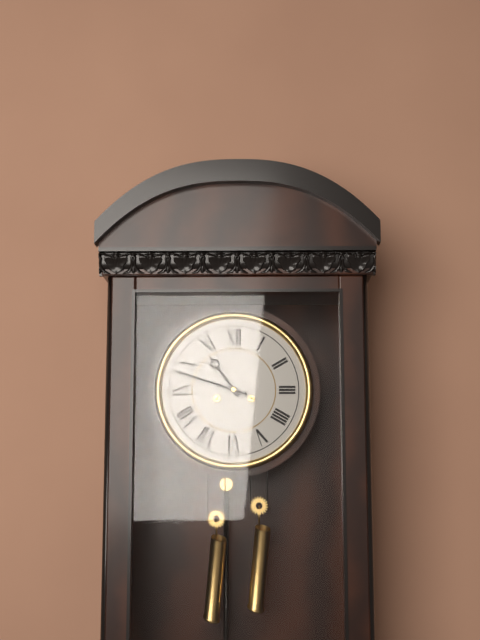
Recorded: {"hour": 10, "minute": 48}
